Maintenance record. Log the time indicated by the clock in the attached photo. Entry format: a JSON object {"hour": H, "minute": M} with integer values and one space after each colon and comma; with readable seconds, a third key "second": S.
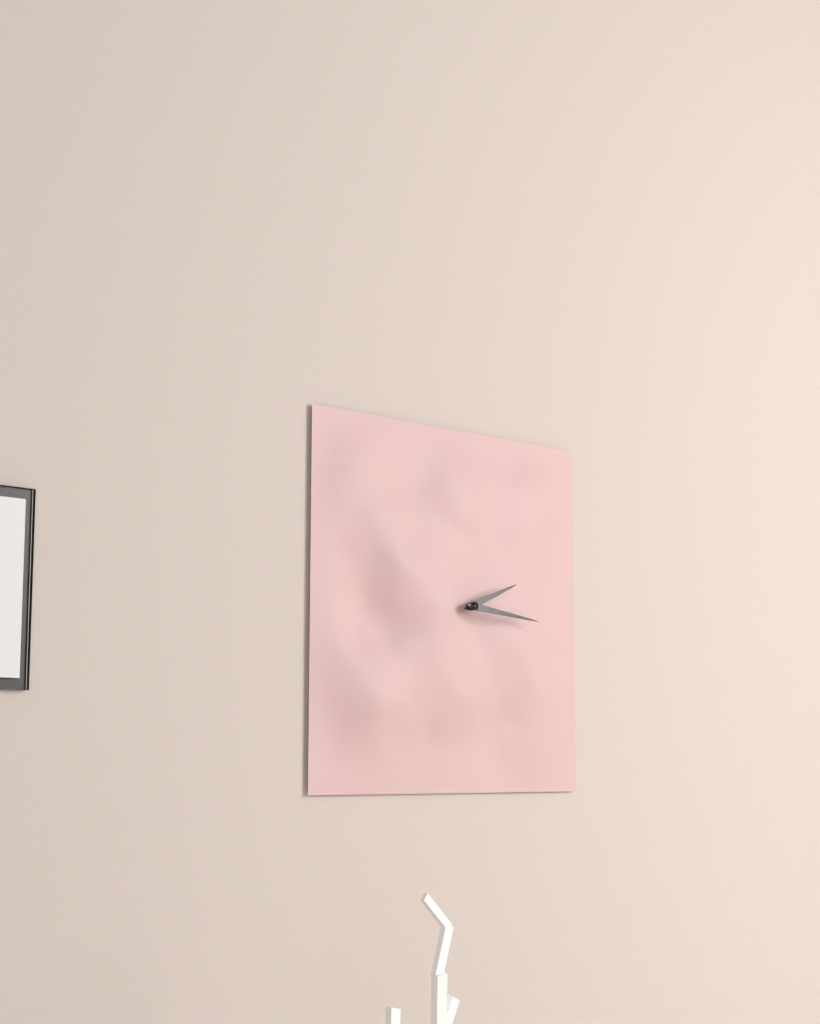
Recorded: {"hour": 2, "minute": 16}
